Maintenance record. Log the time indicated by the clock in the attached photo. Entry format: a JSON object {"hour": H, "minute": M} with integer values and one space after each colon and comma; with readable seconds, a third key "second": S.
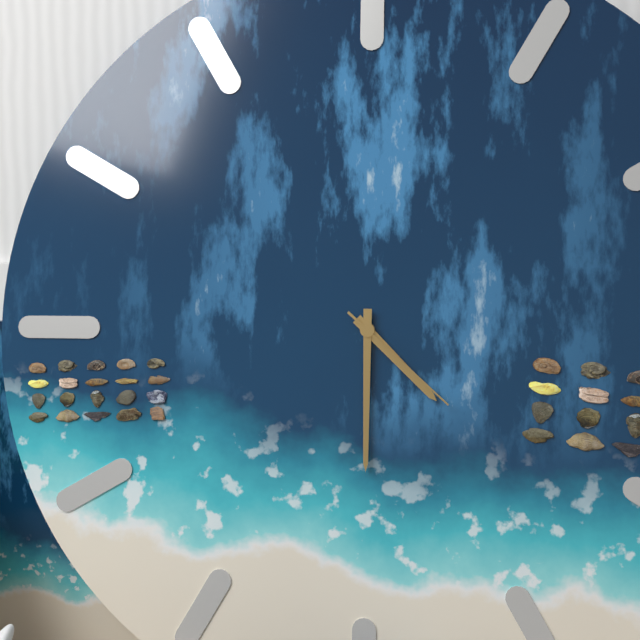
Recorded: {"hour": 4, "minute": 30, "second": 22}
